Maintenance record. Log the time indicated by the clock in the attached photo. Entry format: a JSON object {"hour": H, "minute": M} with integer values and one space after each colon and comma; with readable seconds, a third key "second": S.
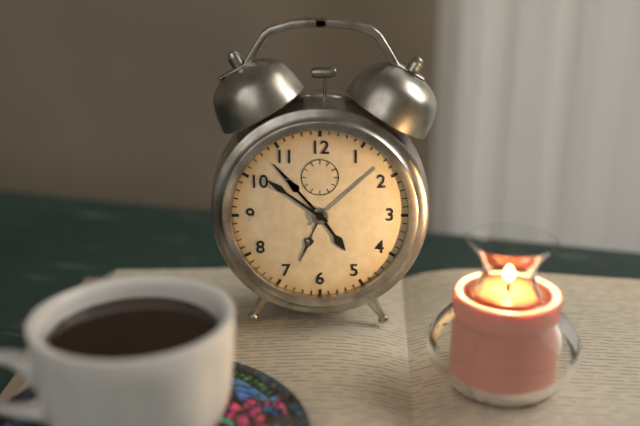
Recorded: {"hour": 4, "minute": 51}
